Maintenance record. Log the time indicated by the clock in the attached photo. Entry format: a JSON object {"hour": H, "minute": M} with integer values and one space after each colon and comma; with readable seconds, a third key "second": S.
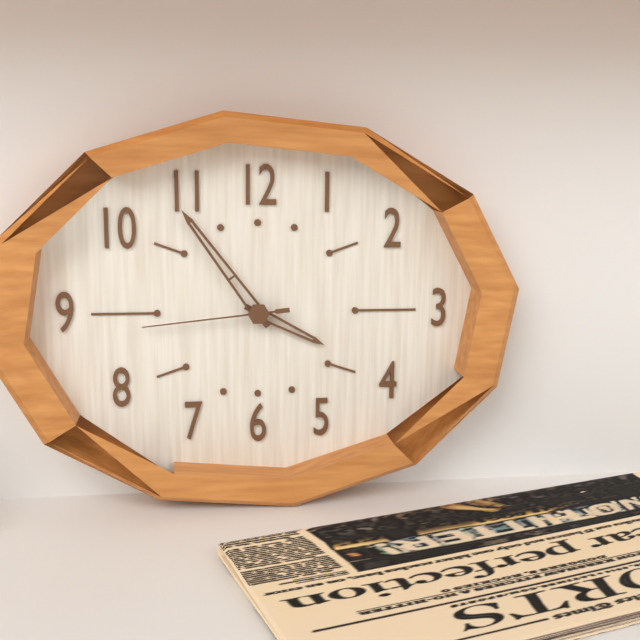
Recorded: {"hour": 3, "minute": 54, "second": 44}
